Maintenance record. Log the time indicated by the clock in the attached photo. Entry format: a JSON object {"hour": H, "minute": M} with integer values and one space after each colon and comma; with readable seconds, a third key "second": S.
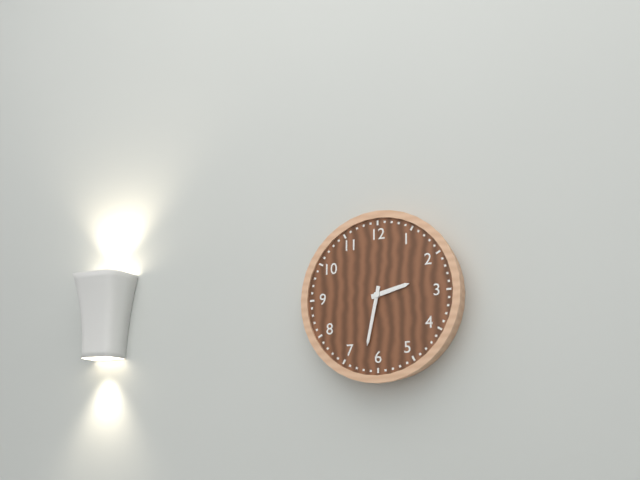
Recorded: {"hour": 2, "minute": 32}
